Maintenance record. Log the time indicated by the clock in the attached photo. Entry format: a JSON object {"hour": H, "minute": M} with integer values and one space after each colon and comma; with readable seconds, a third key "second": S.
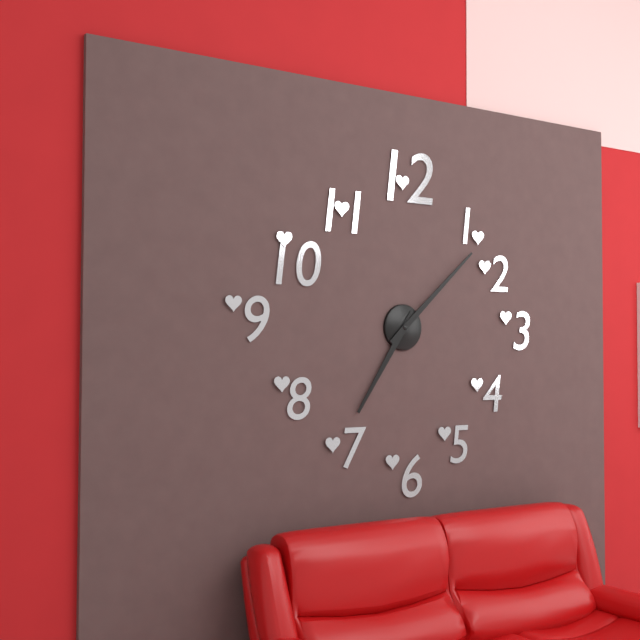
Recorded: {"hour": 7, "minute": 8}
